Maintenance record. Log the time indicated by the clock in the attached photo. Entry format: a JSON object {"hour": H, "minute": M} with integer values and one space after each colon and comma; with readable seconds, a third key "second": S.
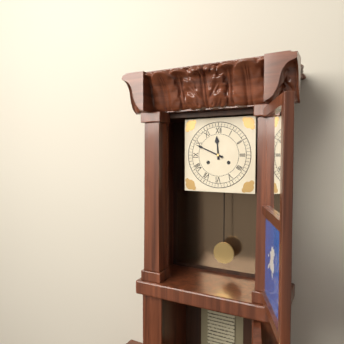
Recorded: {"hour": 11, "minute": 49}
